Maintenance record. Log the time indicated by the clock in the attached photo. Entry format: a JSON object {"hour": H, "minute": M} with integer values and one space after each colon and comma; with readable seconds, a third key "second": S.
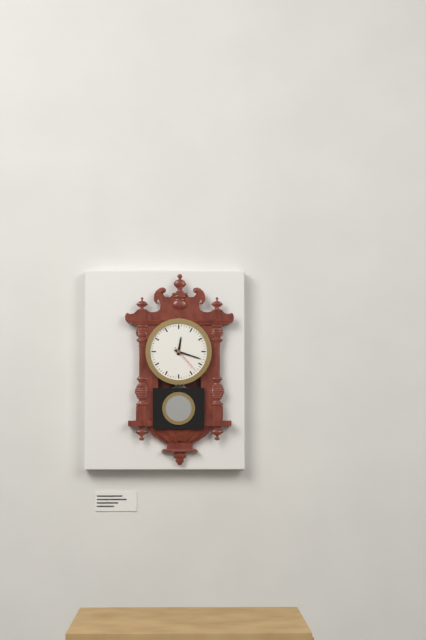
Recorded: {"hour": 12, "minute": 18}
